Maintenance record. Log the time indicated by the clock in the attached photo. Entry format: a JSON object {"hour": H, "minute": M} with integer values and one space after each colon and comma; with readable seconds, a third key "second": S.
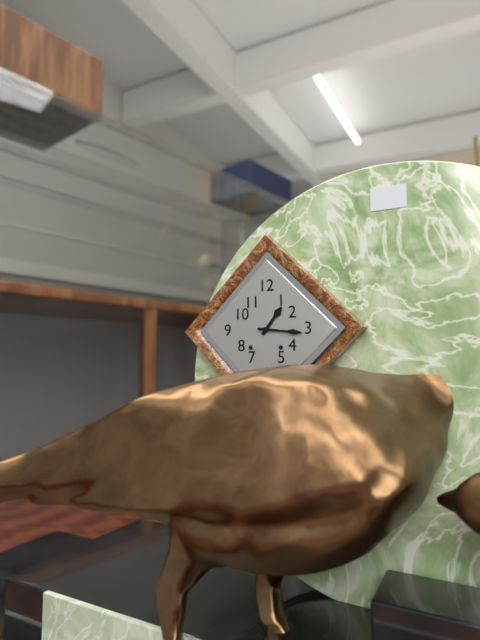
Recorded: {"hour": 1, "minute": 16}
